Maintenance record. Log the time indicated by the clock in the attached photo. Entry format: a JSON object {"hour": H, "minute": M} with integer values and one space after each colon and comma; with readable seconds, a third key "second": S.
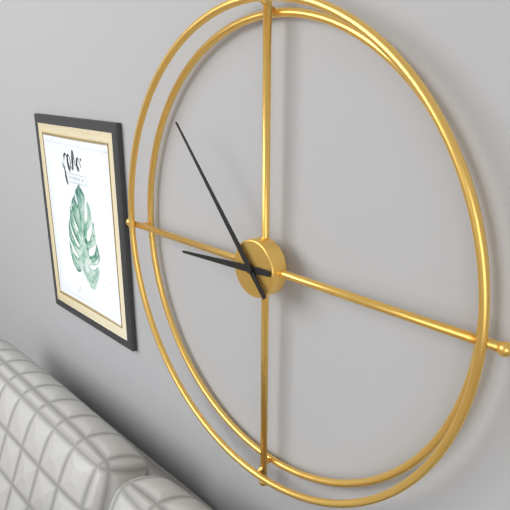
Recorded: {"hour": 8, "minute": 53}
